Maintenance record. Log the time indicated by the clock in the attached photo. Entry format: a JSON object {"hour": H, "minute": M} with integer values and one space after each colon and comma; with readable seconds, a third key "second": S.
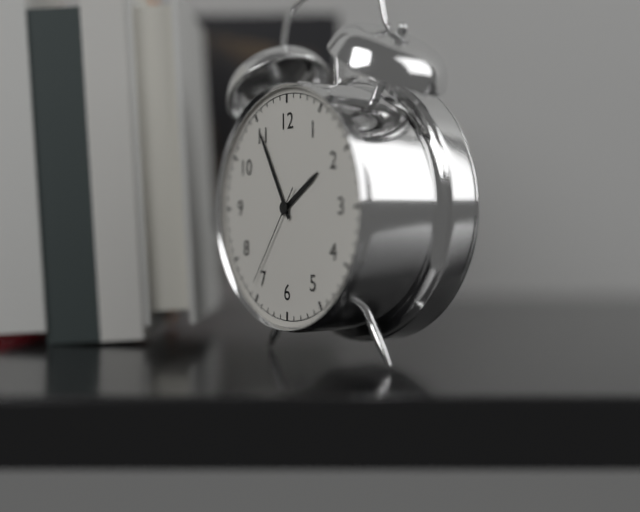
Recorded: {"hour": 1, "minute": 55, "second": 36}
